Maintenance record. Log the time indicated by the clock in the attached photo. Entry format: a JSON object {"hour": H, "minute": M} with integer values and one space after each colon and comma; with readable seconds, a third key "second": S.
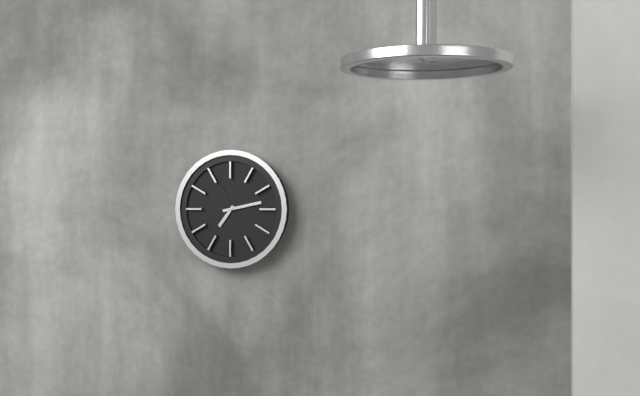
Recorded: {"hour": 7, "minute": 13, "second": 56}
